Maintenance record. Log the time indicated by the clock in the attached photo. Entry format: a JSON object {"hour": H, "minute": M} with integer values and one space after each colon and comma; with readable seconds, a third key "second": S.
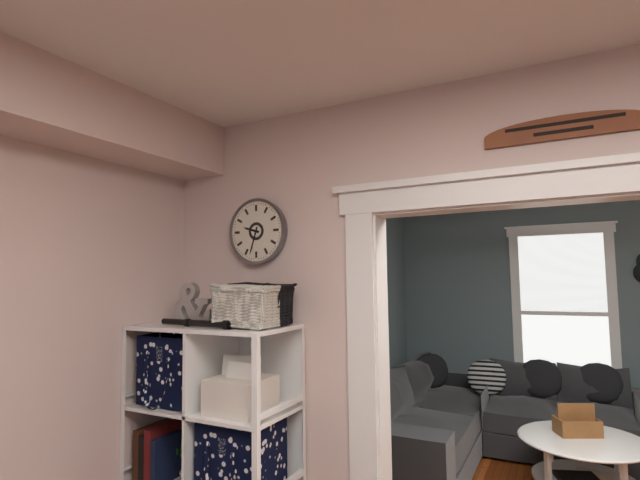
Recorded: {"hour": 9, "minute": 33}
